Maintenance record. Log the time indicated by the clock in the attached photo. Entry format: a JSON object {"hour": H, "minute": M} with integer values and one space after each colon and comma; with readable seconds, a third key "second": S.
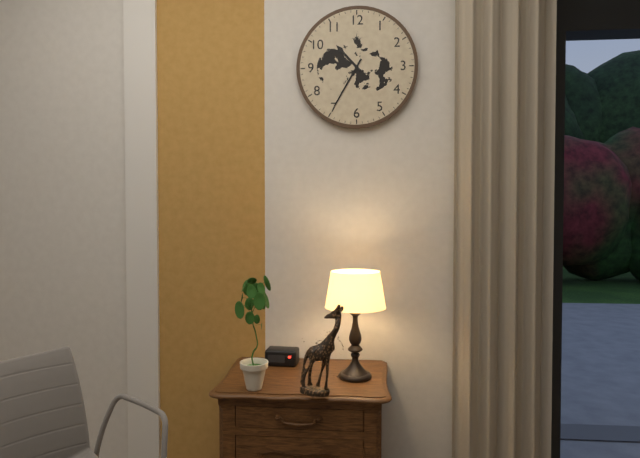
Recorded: {"hour": 10, "minute": 35}
